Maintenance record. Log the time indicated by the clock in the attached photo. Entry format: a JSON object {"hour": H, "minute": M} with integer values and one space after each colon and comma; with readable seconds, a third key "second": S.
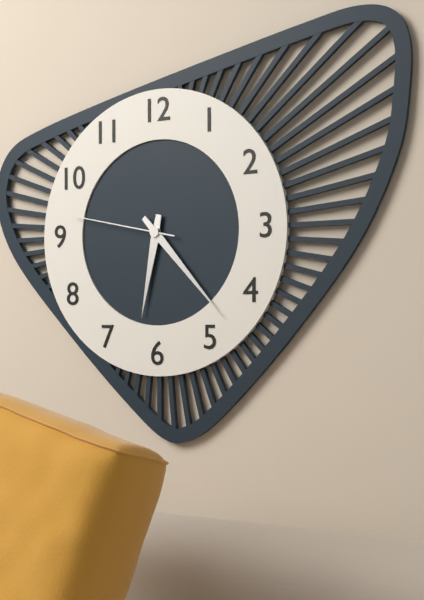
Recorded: {"hour": 6, "minute": 23, "second": 47}
